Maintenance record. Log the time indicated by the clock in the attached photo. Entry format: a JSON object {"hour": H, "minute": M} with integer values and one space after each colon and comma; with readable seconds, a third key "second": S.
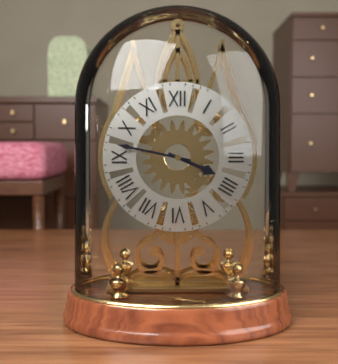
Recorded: {"hour": 3, "minute": 47}
